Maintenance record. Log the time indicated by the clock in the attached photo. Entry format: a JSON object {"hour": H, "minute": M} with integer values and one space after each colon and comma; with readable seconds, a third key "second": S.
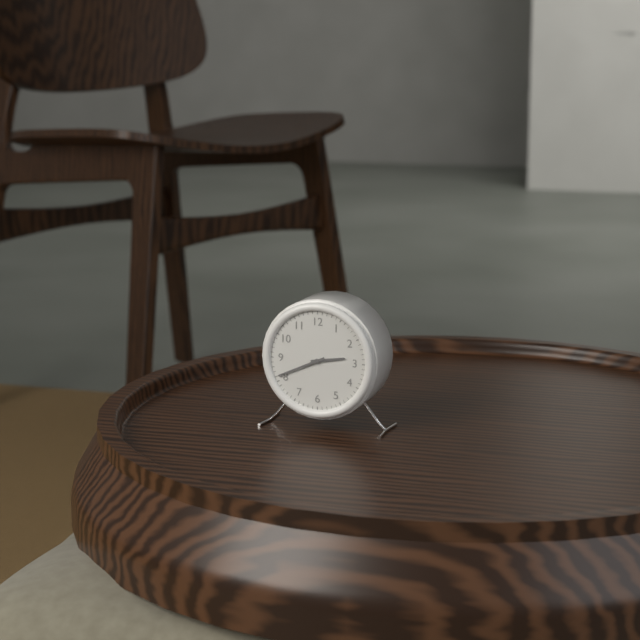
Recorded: {"hour": 2, "minute": 41}
